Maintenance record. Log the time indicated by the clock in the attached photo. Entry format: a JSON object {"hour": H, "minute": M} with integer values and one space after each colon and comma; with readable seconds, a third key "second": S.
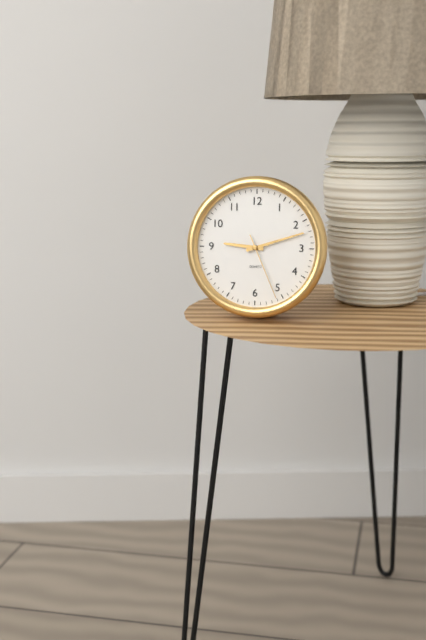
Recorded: {"hour": 9, "minute": 12, "second": 26}
